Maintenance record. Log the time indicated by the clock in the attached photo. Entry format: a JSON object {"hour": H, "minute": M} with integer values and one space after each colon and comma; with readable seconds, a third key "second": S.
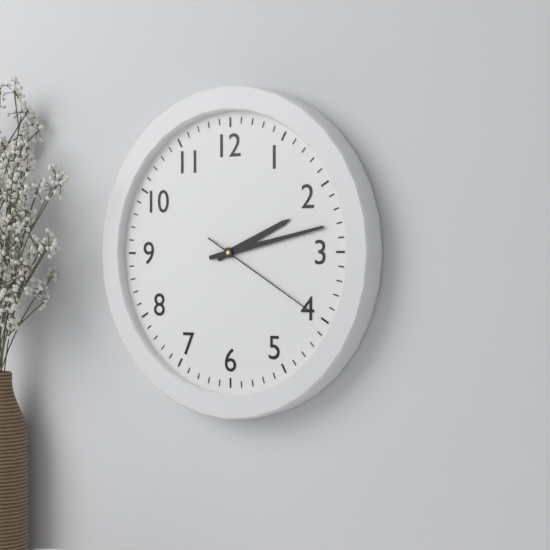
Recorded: {"hour": 2, "minute": 13, "second": 20}
